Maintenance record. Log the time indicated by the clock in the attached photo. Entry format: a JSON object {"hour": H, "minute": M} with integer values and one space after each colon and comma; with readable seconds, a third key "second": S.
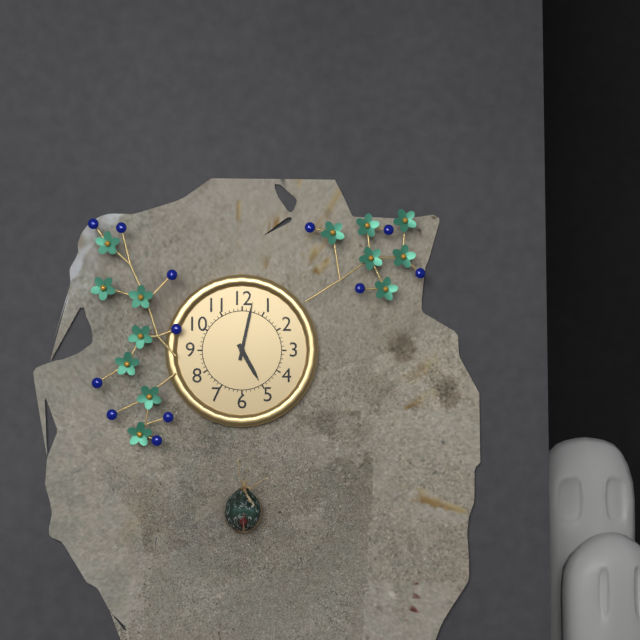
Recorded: {"hour": 5, "minute": 2}
